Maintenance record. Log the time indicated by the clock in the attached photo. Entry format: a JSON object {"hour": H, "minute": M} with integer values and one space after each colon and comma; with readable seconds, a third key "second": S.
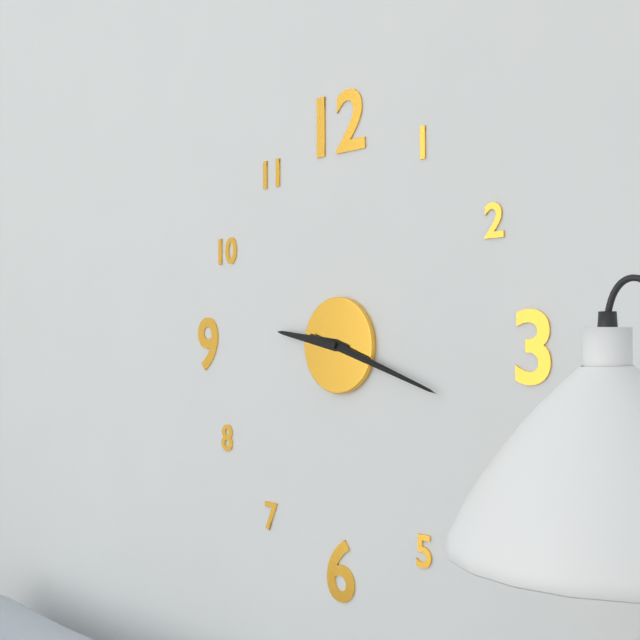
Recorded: {"hour": 9, "minute": 18, "second": 18}
